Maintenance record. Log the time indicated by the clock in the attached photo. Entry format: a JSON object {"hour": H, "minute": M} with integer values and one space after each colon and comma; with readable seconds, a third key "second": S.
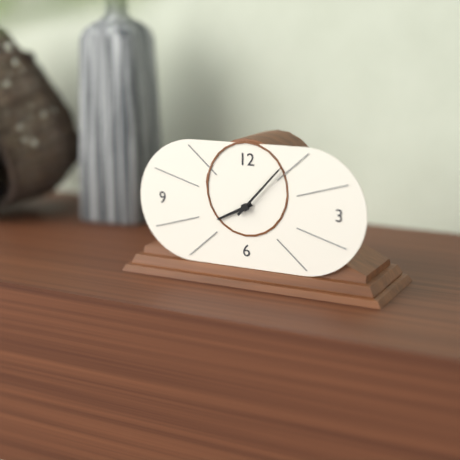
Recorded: {"hour": 8, "minute": 7}
